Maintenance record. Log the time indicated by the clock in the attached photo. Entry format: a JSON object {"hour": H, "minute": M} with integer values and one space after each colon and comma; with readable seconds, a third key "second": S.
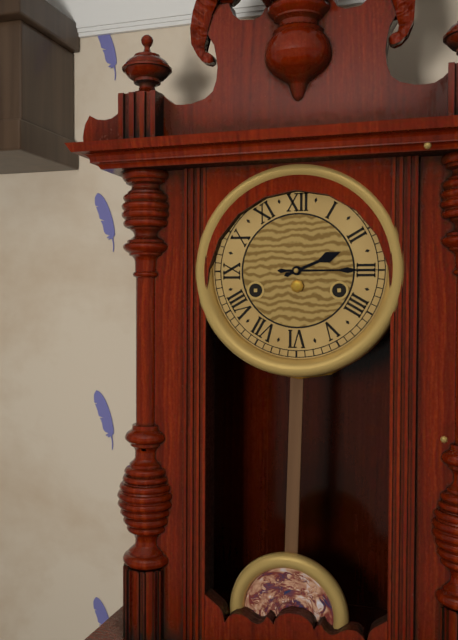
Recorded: {"hour": 2, "minute": 15}
